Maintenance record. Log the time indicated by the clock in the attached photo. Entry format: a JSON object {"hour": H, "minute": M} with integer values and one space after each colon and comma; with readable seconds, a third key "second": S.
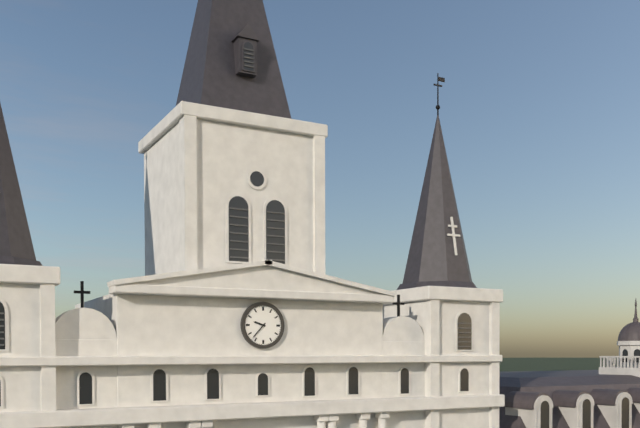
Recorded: {"hour": 9, "minute": 37}
